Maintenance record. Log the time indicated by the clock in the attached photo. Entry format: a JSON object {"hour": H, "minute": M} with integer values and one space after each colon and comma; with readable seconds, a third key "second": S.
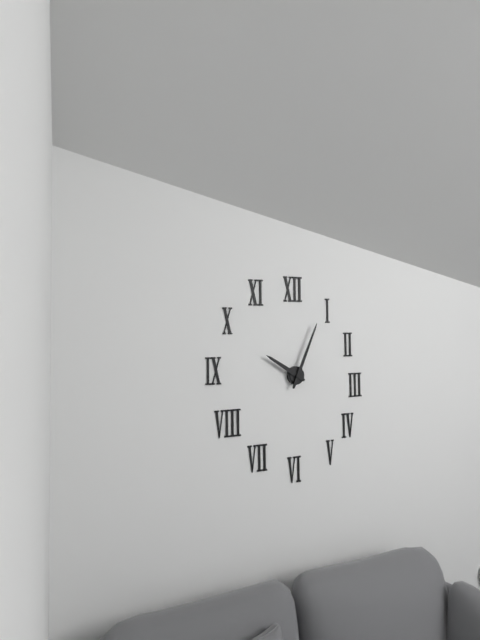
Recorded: {"hour": 10, "minute": 4}
